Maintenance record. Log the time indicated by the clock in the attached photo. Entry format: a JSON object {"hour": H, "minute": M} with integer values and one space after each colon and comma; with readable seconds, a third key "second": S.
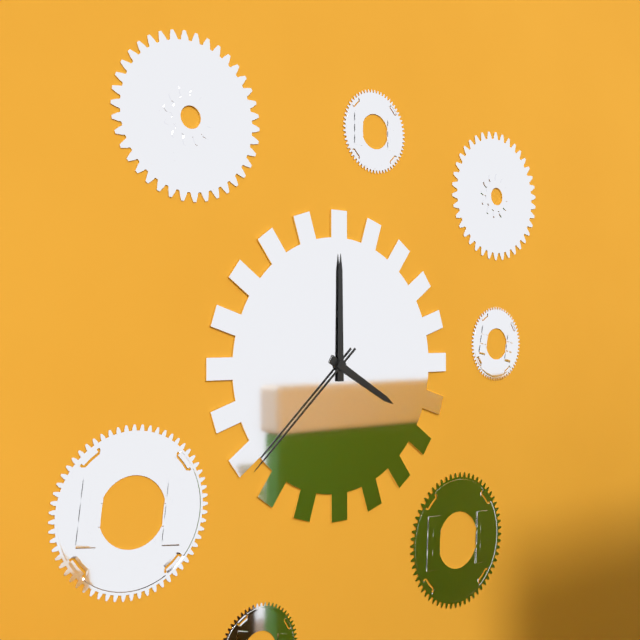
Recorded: {"hour": 4, "minute": 0, "second": 38}
